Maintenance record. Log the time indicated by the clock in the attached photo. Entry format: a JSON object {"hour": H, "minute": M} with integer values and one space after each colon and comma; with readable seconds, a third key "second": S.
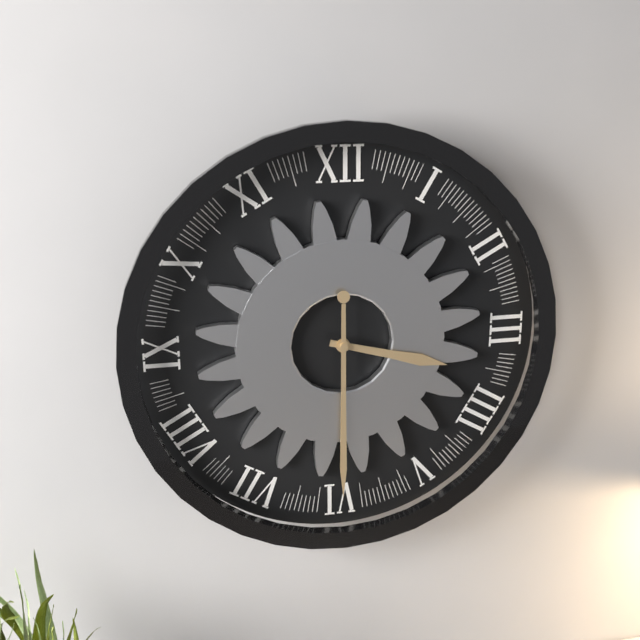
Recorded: {"hour": 3, "minute": 30}
